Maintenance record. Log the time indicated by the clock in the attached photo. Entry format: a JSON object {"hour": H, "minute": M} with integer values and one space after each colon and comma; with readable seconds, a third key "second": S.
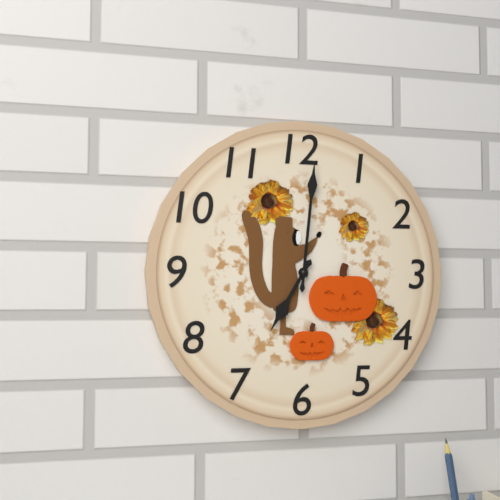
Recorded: {"hour": 7, "minute": 1}
